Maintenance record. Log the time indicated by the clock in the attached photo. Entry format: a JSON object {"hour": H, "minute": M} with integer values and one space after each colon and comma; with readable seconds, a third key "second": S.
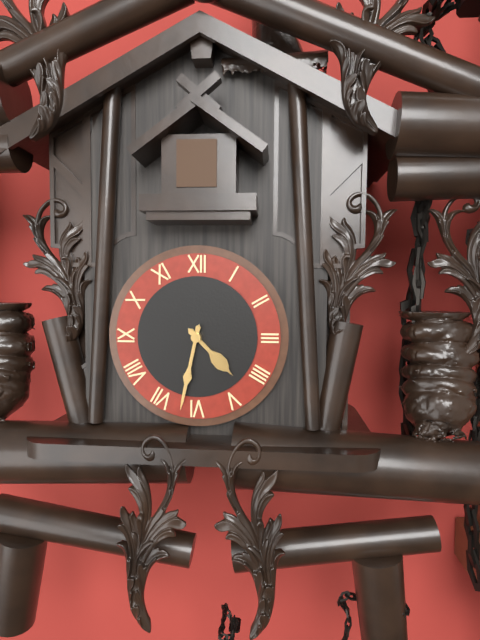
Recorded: {"hour": 4, "minute": 32}
